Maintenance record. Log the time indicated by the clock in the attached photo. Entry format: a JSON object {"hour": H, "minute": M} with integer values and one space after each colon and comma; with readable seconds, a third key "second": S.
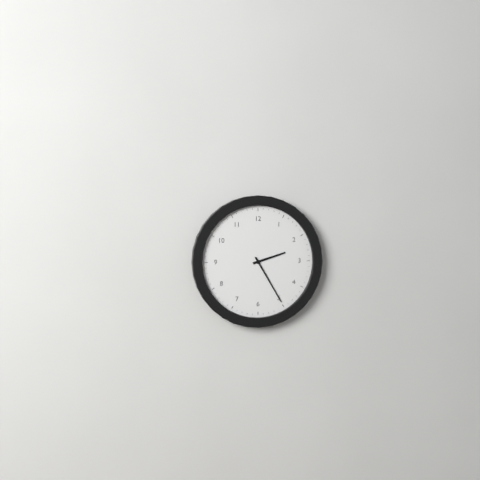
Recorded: {"hour": 2, "minute": 25}
